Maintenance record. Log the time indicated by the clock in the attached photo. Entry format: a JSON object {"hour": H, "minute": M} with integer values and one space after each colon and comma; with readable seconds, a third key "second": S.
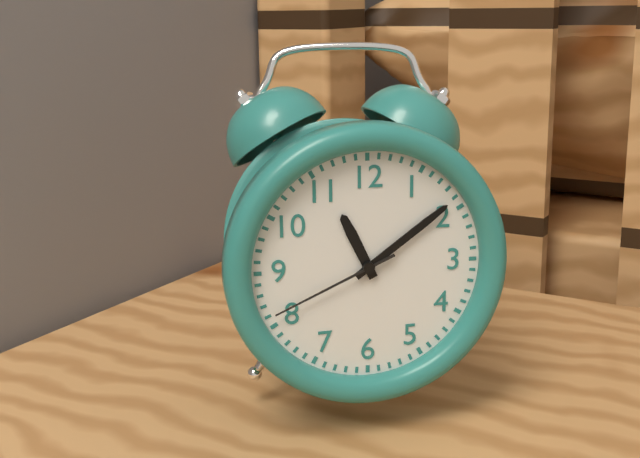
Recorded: {"hour": 11, "minute": 9, "second": 41}
